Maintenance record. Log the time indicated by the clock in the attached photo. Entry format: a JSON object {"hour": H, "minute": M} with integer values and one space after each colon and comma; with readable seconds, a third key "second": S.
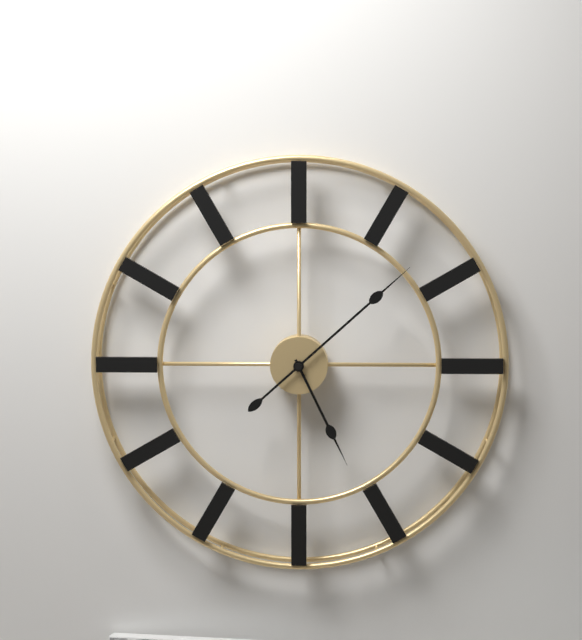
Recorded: {"hour": 5, "minute": 8}
